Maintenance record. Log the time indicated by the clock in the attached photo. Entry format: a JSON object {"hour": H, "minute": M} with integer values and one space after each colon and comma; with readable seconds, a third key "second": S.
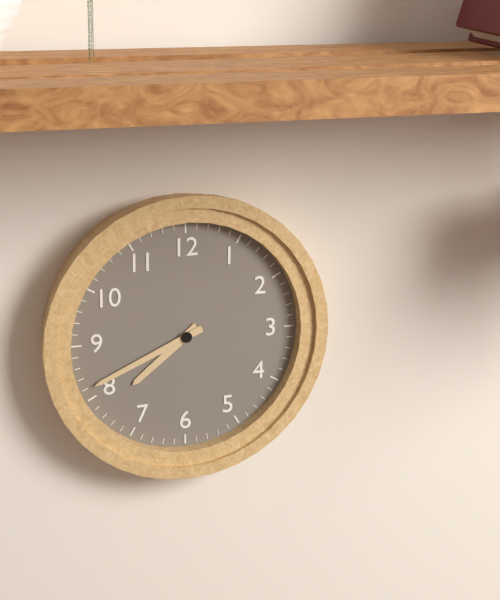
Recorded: {"hour": 7, "minute": 41}
